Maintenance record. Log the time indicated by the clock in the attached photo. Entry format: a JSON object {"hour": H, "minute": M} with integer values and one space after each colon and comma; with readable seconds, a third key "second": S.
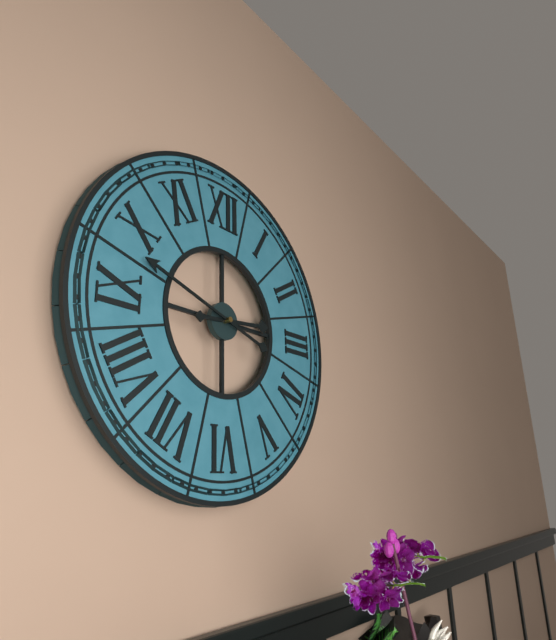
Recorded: {"hour": 2, "minute": 48}
